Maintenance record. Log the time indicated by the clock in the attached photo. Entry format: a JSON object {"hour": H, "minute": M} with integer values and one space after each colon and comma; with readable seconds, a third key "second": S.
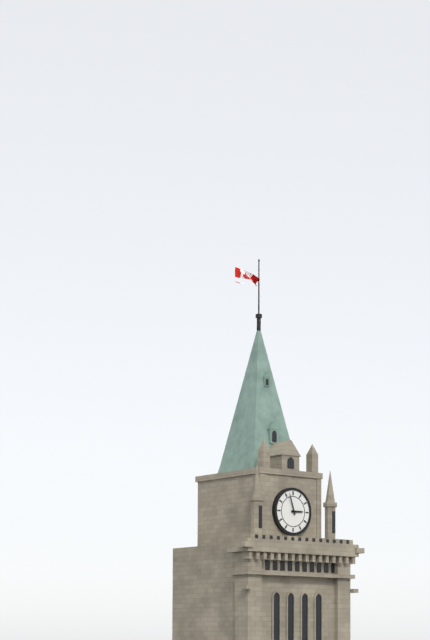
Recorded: {"hour": 2, "minute": 57}
